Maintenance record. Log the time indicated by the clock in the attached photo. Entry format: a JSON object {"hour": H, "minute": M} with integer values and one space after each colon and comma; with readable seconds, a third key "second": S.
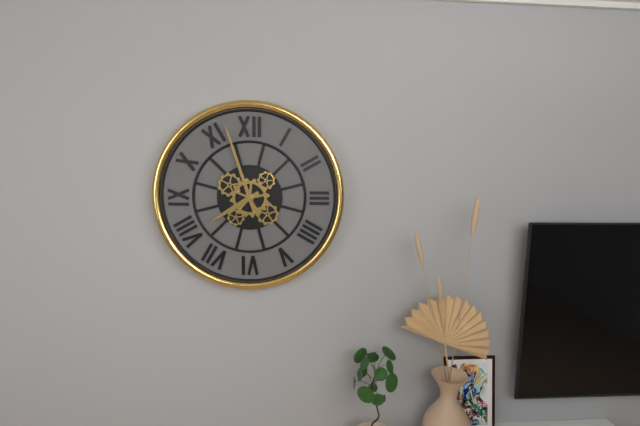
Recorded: {"hour": 7, "minute": 57}
